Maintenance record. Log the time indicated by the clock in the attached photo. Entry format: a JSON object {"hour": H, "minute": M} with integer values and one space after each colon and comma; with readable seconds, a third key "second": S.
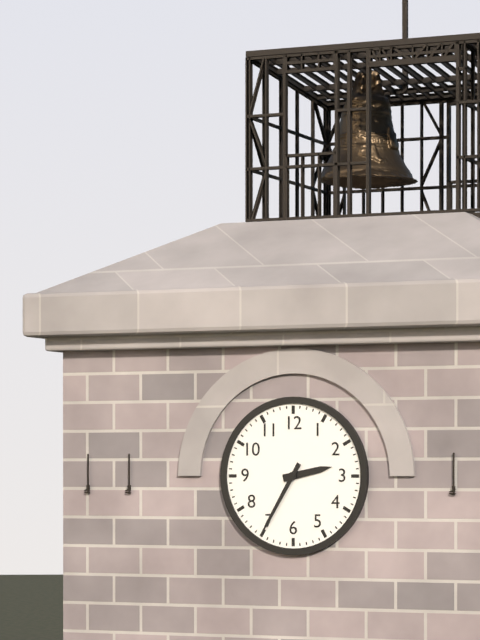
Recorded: {"hour": 2, "minute": 35}
